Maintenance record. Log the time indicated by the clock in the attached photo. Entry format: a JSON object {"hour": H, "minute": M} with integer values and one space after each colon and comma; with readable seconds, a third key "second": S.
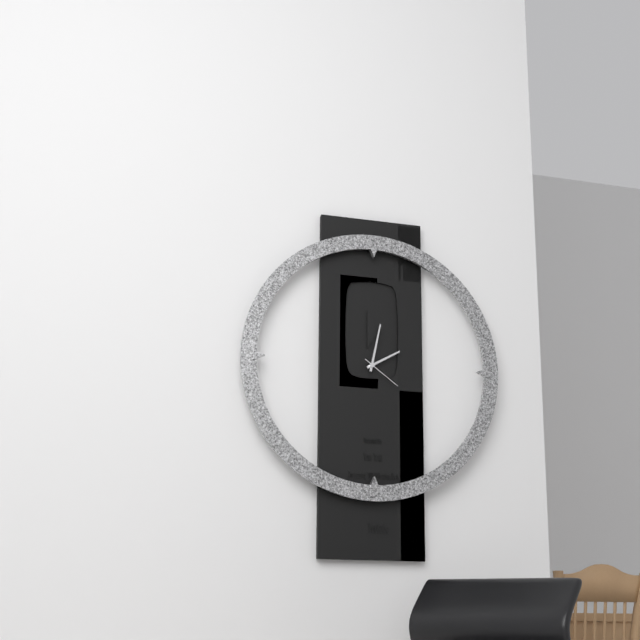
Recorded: {"hour": 2, "minute": 2}
